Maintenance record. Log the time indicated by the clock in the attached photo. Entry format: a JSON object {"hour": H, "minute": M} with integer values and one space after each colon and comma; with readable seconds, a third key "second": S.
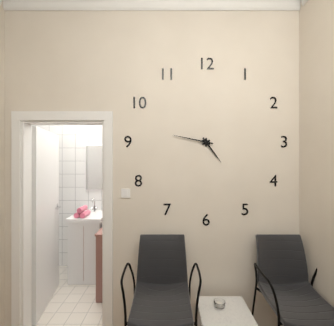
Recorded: {"hour": 4, "minute": 47}
